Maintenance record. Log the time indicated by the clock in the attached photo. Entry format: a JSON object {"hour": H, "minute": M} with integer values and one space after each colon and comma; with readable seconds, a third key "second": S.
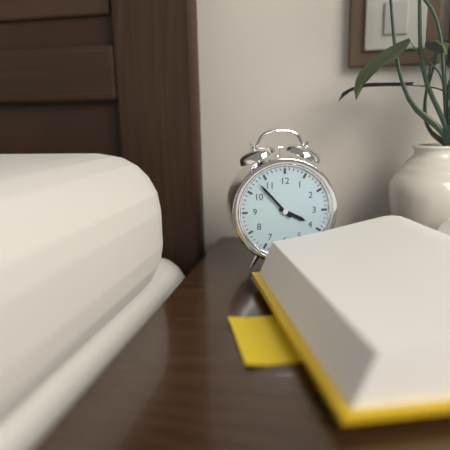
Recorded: {"hour": 3, "minute": 53}
